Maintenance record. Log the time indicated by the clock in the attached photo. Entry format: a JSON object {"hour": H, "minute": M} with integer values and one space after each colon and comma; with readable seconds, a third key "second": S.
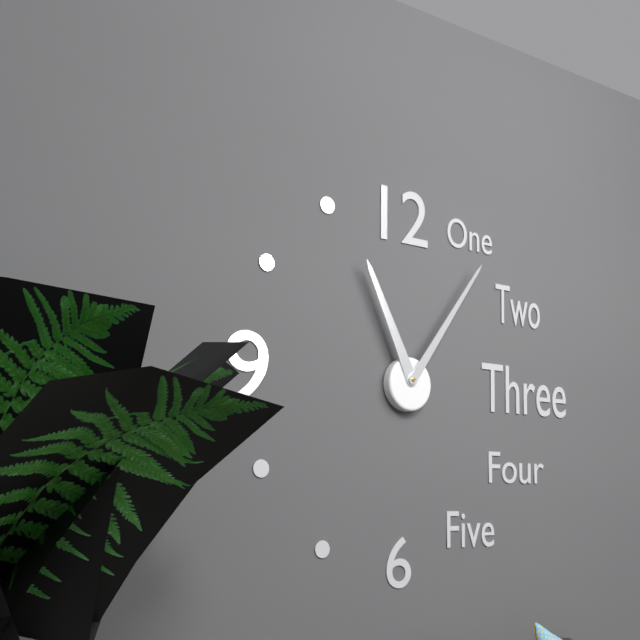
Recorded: {"hour": 11, "minute": 6}
